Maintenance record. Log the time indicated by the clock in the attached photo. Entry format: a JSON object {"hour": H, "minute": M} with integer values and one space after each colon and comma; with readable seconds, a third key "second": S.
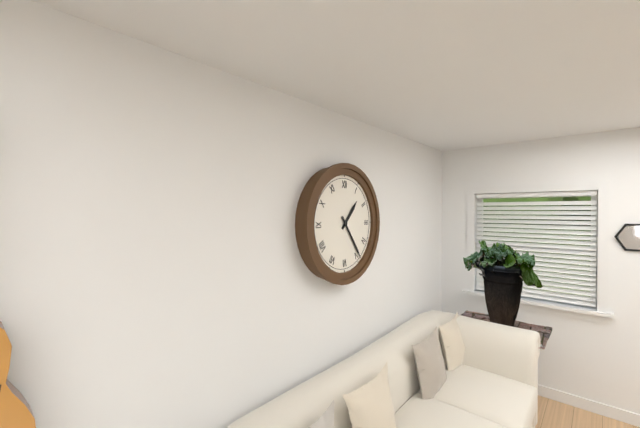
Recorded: {"hour": 1, "minute": 24}
